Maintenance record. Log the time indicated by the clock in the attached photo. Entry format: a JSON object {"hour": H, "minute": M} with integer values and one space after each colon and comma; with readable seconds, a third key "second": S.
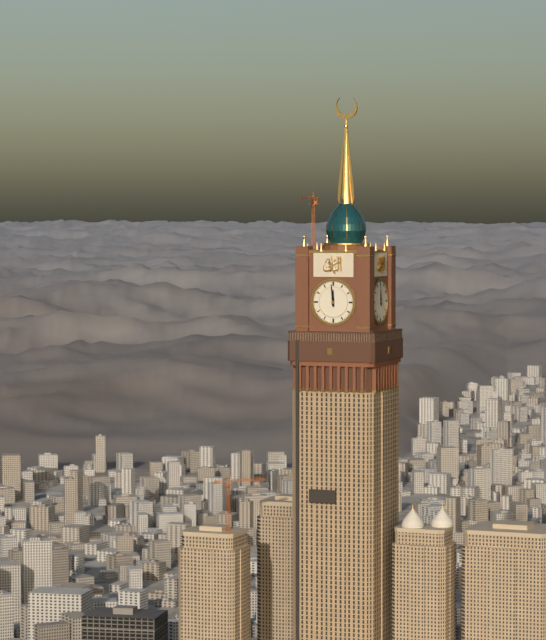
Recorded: {"hour": 11, "minute": 59}
